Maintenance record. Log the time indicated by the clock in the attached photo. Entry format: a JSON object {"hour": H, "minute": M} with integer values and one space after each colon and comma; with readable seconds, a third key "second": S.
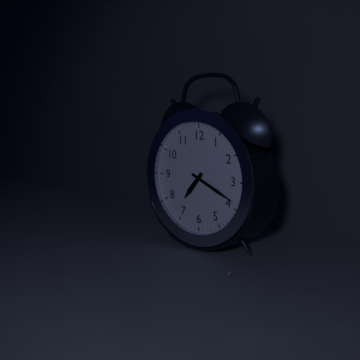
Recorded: {"hour": 7, "minute": 19}
